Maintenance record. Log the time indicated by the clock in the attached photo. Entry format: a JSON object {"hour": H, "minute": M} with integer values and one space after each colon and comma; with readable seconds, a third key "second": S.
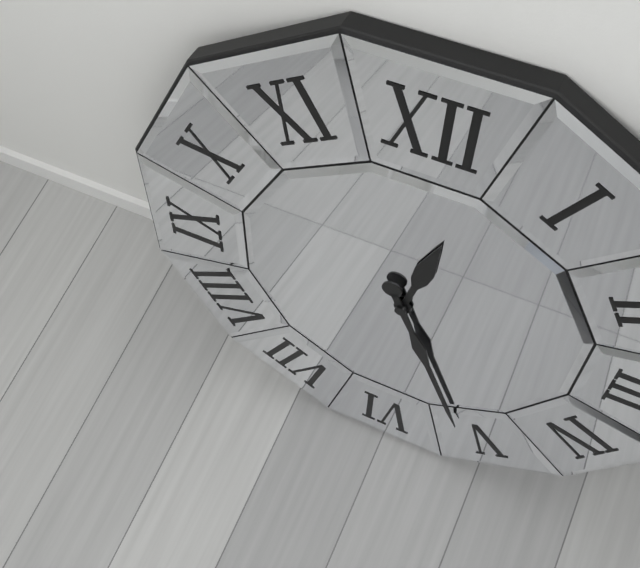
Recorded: {"hour": 12, "minute": 26}
